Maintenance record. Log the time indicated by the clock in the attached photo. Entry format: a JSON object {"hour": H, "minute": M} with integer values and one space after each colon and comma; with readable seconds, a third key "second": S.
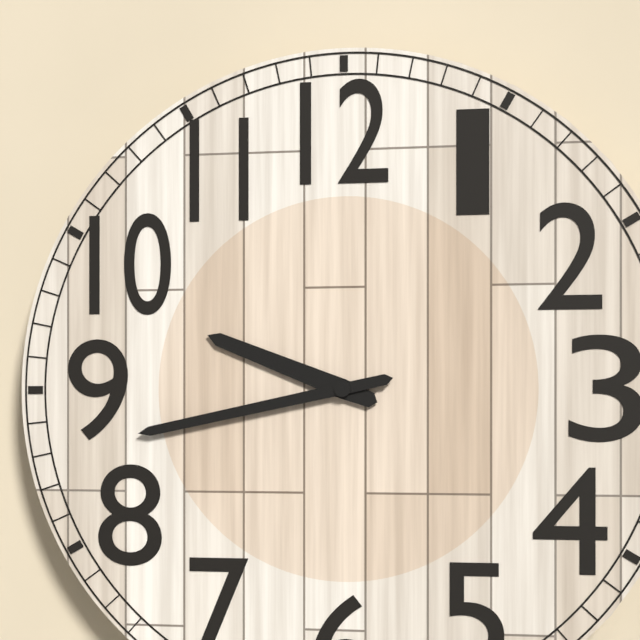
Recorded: {"hour": 9, "minute": 43}
